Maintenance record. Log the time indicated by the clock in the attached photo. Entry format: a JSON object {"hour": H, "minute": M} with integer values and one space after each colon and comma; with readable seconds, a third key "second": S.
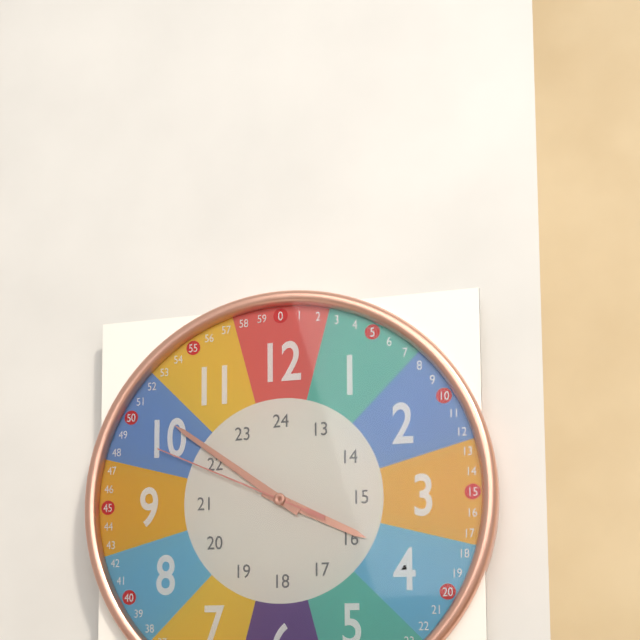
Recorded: {"hour": 3, "minute": 51, "second": 49}
